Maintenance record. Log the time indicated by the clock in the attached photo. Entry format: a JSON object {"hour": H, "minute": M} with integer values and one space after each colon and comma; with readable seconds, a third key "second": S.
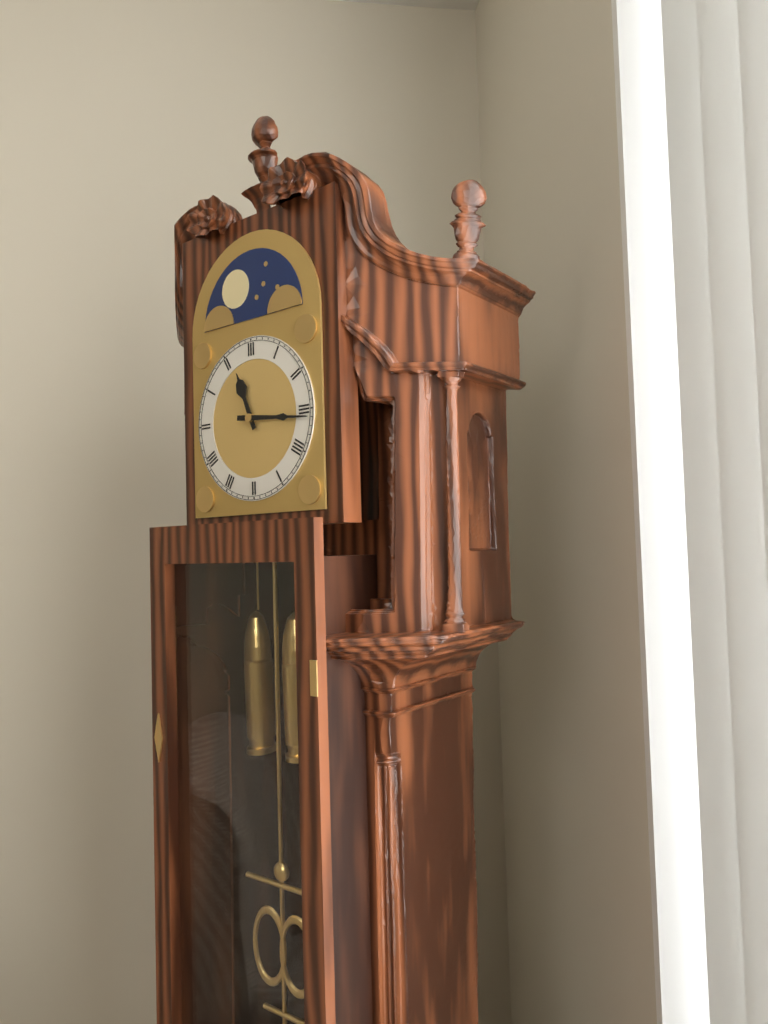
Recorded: {"hour": 11, "minute": 16}
